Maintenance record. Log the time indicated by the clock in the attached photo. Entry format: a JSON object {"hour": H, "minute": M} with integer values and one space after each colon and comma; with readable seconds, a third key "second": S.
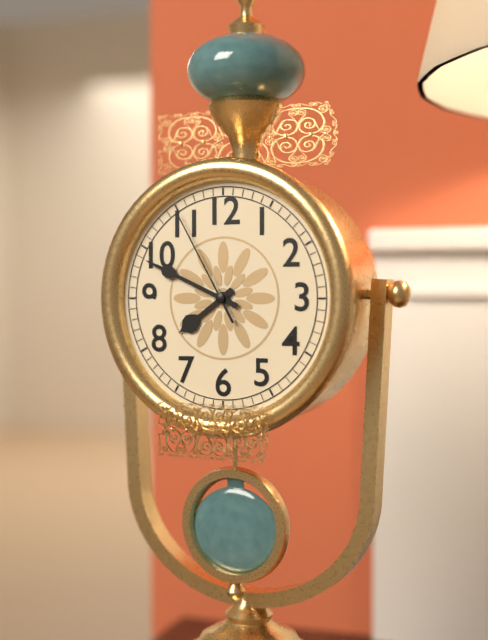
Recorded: {"hour": 7, "minute": 49, "second": 55}
